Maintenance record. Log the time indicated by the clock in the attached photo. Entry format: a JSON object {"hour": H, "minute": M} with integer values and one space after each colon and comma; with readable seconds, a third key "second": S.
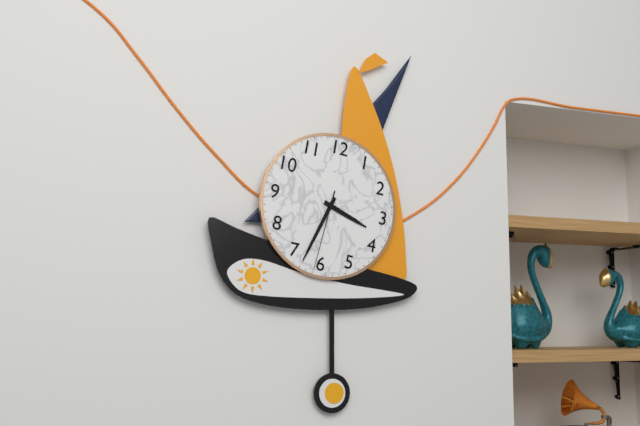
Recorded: {"hour": 3, "minute": 33, "second": 31}
